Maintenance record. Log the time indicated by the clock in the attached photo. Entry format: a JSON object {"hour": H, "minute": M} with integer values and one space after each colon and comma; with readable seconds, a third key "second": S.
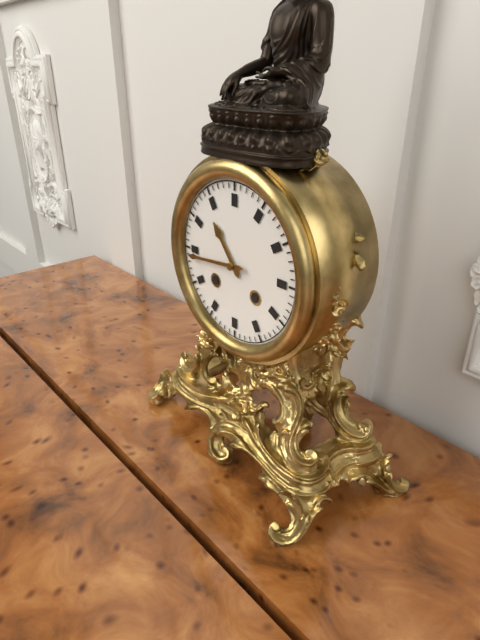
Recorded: {"hour": 10, "minute": 44}
